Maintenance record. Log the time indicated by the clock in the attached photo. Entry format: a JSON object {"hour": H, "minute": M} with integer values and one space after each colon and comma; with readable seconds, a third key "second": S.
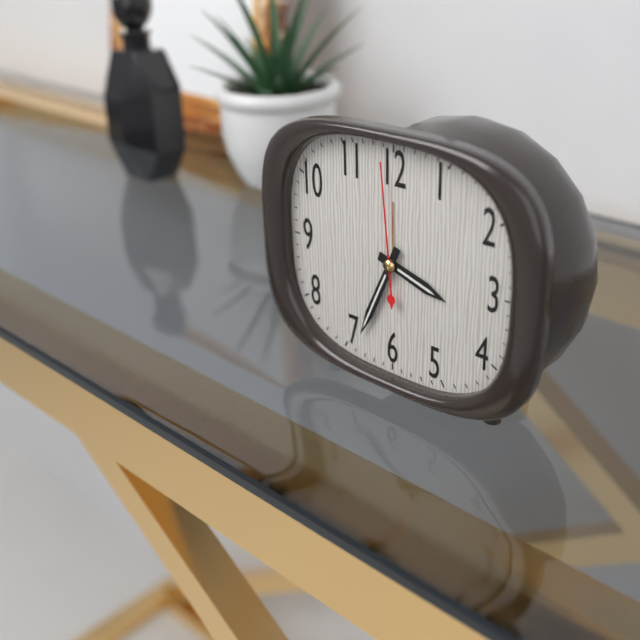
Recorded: {"hour": 3, "minute": 34, "second": 59}
